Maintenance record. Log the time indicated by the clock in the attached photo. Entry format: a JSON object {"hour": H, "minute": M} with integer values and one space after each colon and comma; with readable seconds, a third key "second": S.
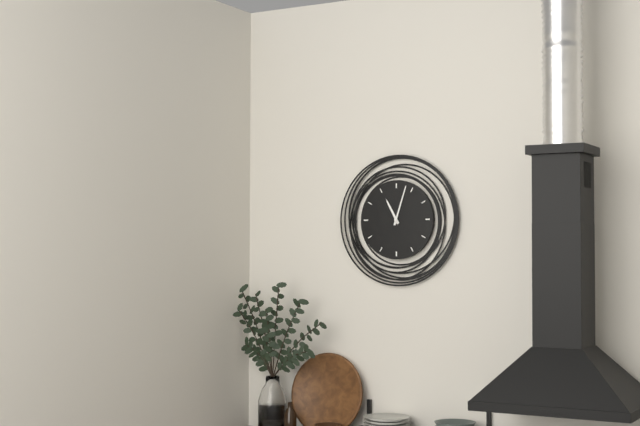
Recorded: {"hour": 11, "minute": 3}
